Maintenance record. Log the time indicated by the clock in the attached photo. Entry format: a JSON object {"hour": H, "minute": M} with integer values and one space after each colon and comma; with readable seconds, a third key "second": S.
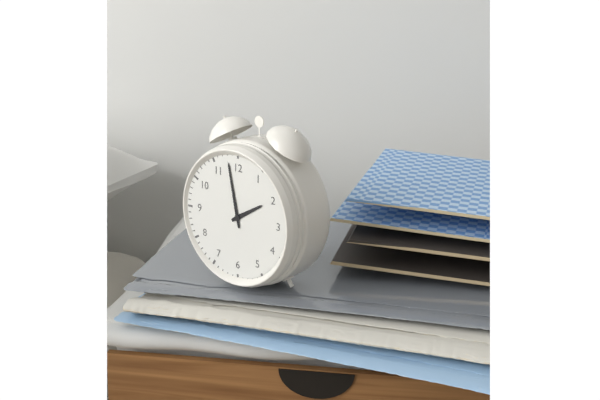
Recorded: {"hour": 1, "minute": 58}
